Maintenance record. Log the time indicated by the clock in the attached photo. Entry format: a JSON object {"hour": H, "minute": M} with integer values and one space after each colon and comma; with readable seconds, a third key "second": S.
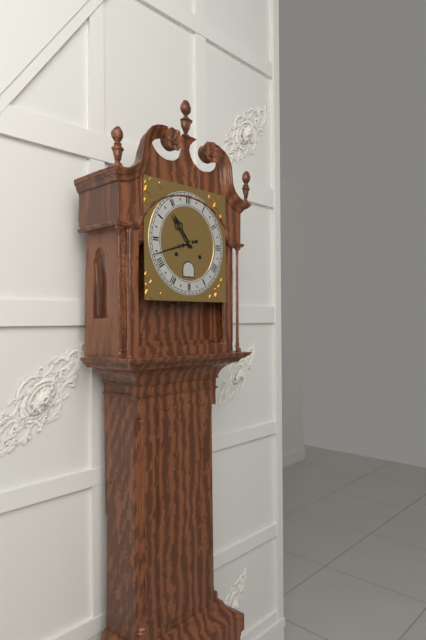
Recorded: {"hour": 10, "minute": 42}
